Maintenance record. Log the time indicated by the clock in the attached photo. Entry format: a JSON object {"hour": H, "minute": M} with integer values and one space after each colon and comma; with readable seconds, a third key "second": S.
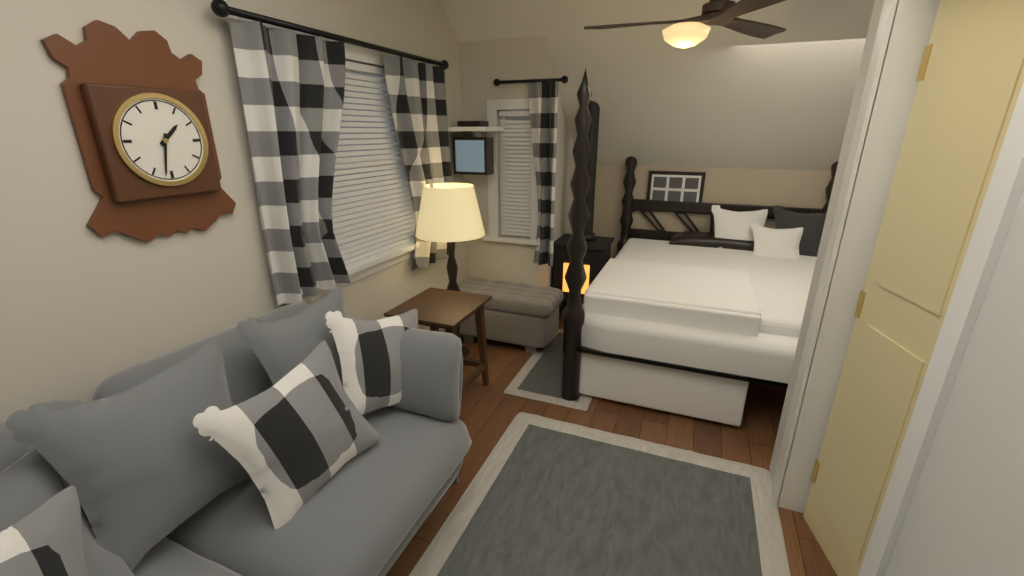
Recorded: {"hour": 1, "minute": 32}
